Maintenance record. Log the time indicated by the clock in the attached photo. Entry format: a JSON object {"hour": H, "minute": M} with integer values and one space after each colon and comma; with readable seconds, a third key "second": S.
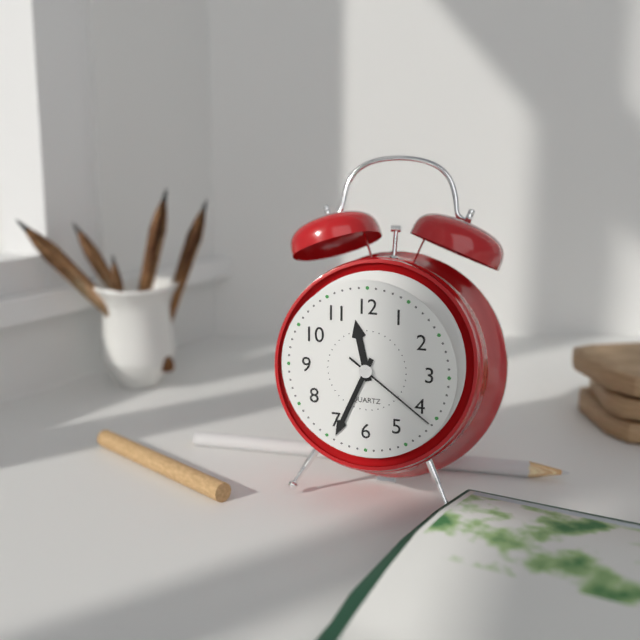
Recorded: {"hour": 11, "minute": 34, "second": 21}
